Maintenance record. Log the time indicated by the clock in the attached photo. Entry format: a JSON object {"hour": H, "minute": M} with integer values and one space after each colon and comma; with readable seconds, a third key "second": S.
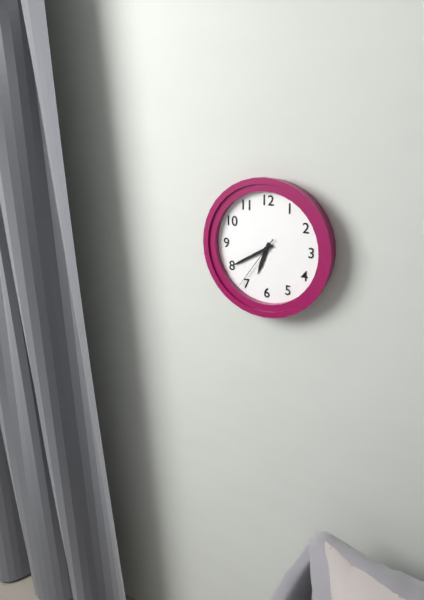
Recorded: {"hour": 6, "minute": 40, "second": 36}
